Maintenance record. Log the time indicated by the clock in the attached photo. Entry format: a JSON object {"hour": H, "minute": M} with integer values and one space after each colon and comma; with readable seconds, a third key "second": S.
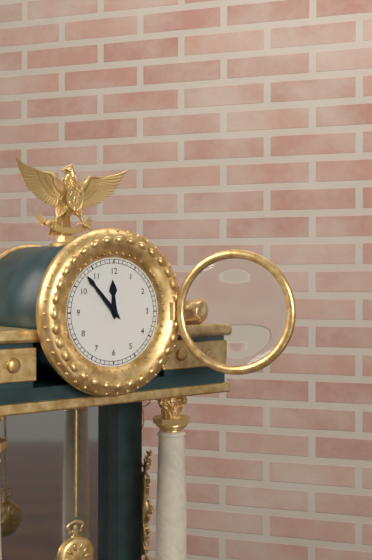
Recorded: {"hour": 11, "minute": 53}
